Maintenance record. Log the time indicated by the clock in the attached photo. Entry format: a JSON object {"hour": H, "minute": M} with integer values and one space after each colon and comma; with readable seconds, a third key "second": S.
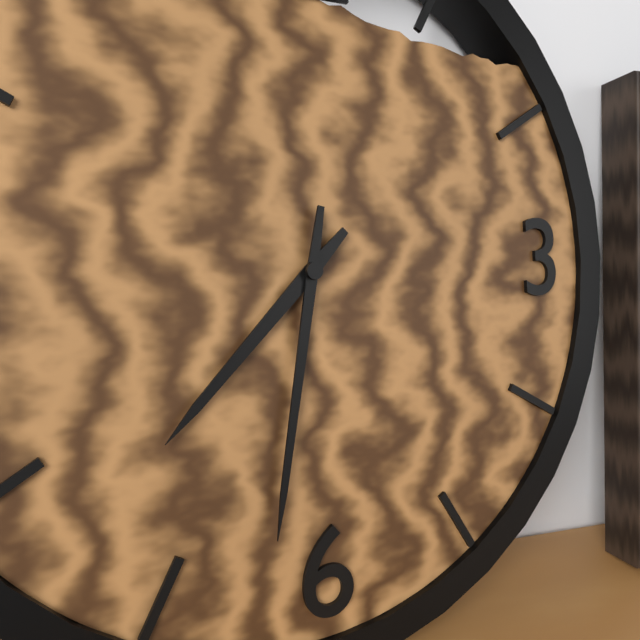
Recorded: {"hour": 7, "minute": 32}
